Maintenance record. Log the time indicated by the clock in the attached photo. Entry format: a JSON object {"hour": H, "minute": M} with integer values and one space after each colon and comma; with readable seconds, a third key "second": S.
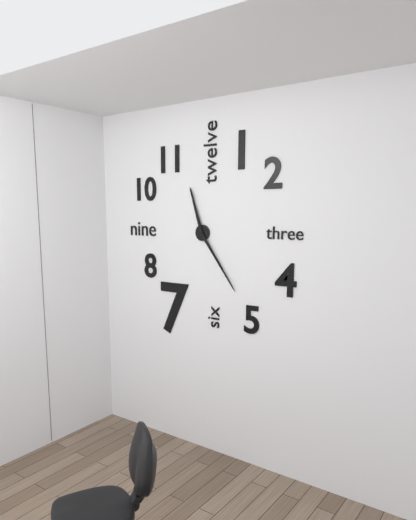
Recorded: {"hour": 11, "minute": 24}
